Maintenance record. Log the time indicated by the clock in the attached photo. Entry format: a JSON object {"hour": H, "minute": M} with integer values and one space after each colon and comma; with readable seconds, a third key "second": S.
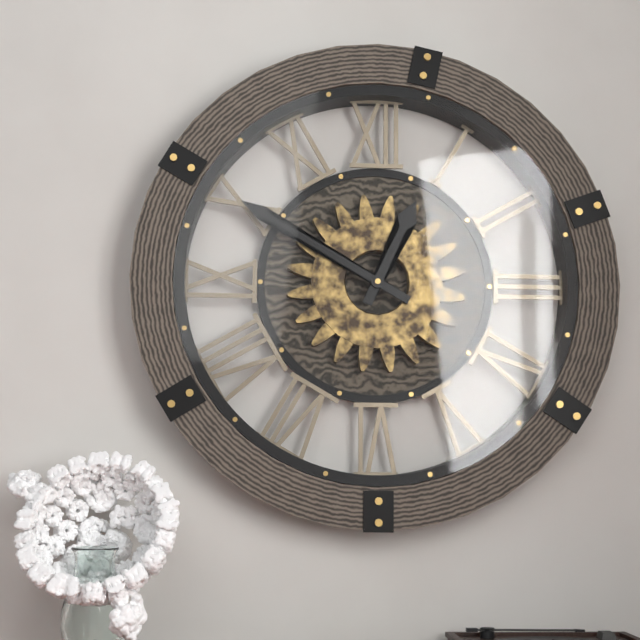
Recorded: {"hour": 12, "minute": 50}
